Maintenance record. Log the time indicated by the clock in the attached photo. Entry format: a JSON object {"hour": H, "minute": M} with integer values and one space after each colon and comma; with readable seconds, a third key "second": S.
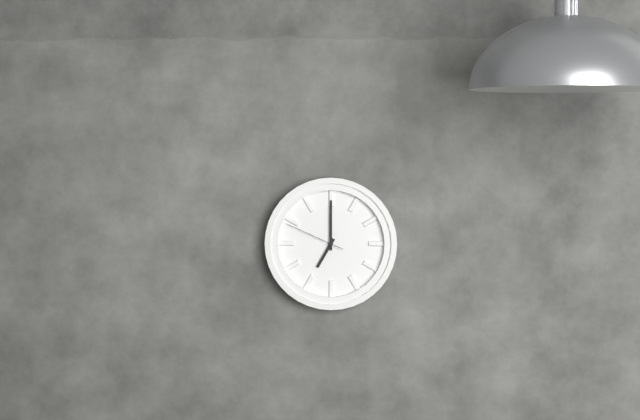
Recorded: {"hour": 7, "minute": 0, "second": 49}
